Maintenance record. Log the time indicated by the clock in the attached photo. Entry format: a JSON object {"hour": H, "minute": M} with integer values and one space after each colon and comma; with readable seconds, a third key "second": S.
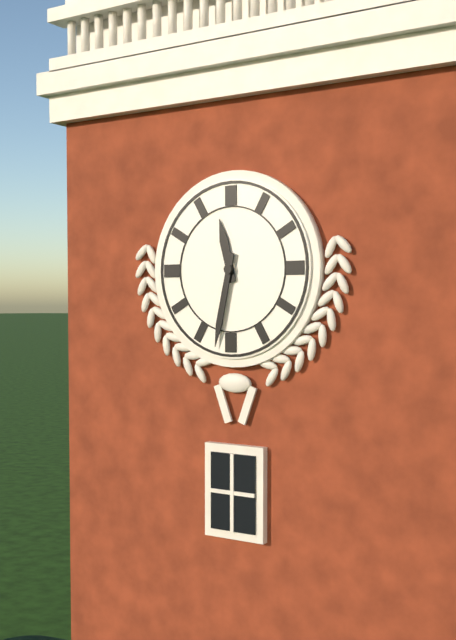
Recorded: {"hour": 11, "minute": 32}
